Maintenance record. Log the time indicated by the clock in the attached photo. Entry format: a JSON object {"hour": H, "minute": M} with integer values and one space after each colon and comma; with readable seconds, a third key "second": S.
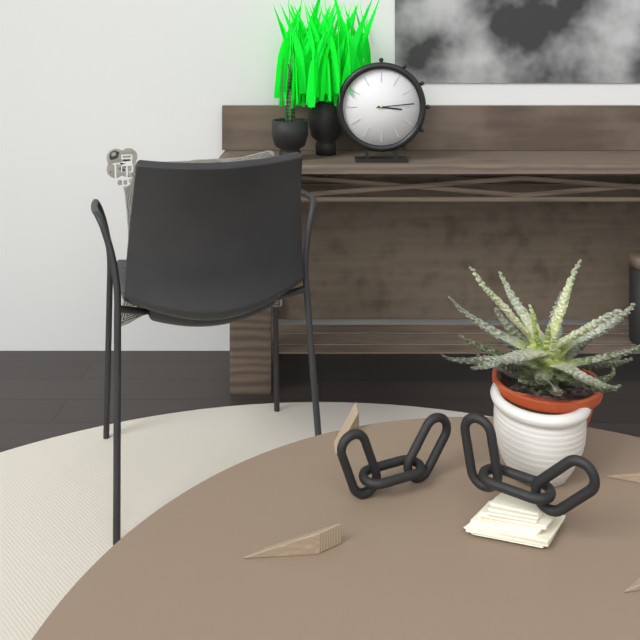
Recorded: {"hour": 3, "minute": 14}
